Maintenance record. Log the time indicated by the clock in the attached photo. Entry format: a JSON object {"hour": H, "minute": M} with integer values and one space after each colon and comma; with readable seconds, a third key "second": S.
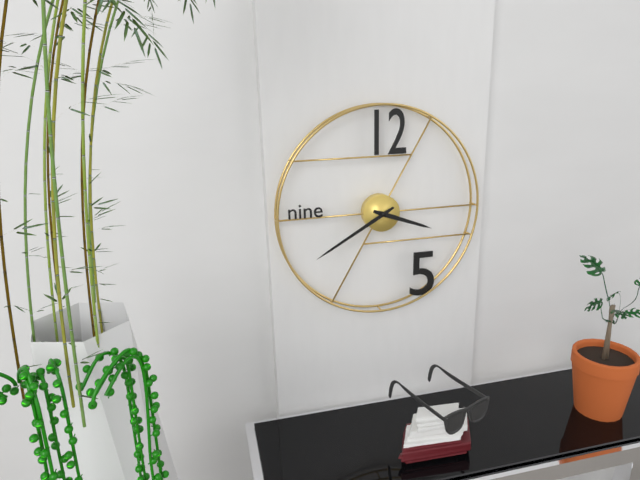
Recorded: {"hour": 3, "minute": 40}
